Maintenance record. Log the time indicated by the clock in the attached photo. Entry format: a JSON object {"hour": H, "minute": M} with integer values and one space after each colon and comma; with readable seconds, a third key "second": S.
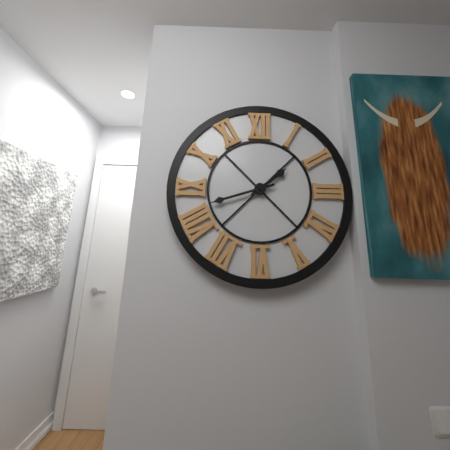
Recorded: {"hour": 1, "minute": 42}
